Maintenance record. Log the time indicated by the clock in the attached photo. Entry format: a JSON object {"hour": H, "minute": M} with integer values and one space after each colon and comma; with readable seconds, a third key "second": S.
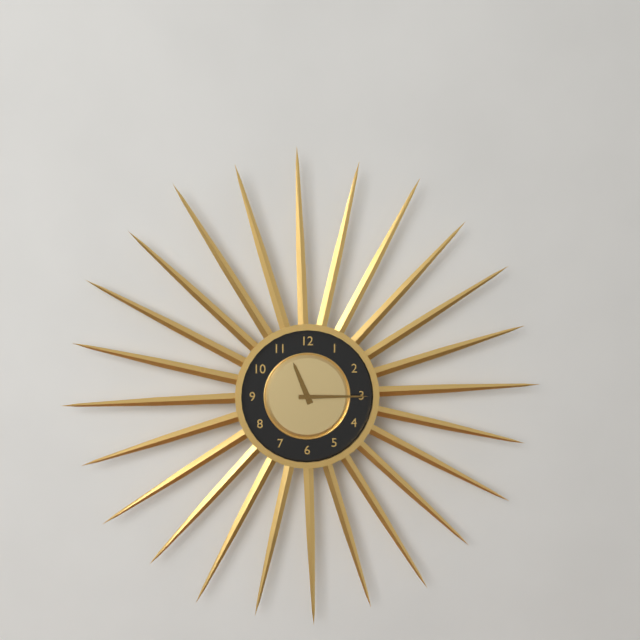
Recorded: {"hour": 11, "minute": 15}
